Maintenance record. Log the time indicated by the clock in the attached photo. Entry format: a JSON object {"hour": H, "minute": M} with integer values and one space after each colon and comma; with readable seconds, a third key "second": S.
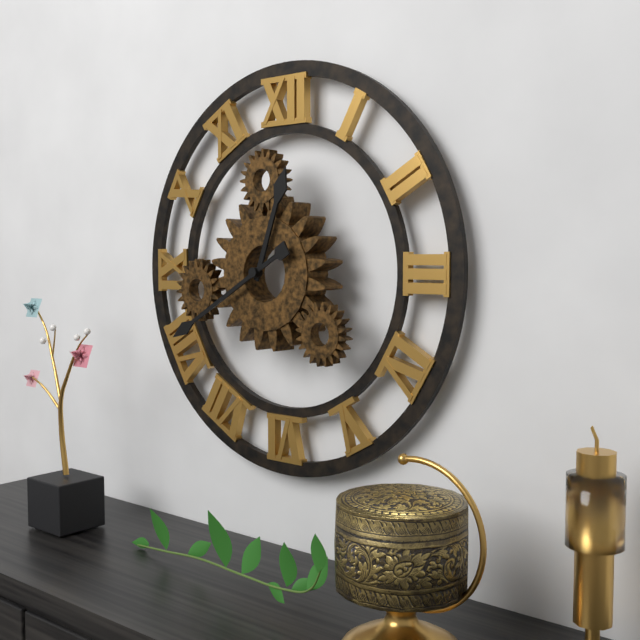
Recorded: {"hour": 12, "minute": 40}
